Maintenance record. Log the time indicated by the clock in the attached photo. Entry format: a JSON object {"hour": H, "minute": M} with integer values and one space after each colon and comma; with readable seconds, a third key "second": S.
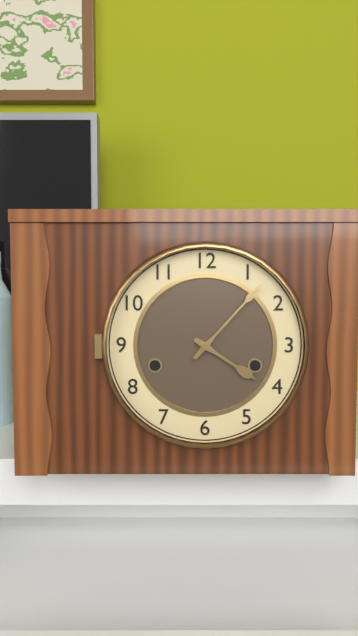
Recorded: {"hour": 4, "minute": 7}
